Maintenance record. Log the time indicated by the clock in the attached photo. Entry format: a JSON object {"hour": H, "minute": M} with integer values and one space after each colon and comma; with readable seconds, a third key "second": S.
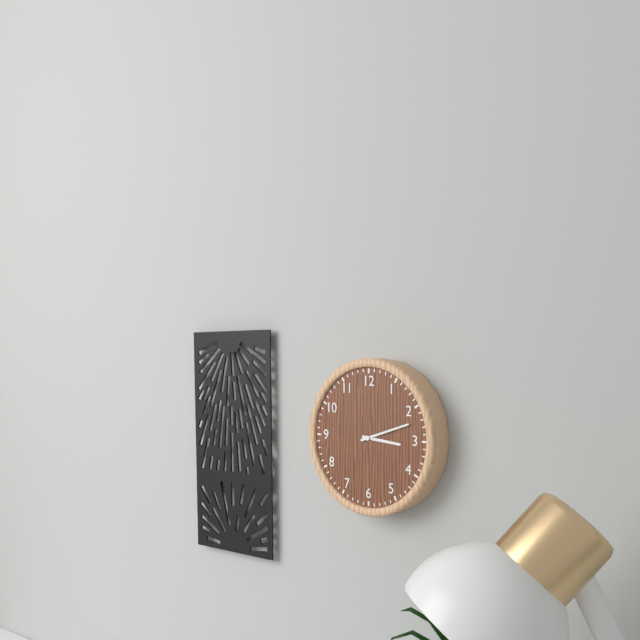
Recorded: {"hour": 3, "minute": 12}
